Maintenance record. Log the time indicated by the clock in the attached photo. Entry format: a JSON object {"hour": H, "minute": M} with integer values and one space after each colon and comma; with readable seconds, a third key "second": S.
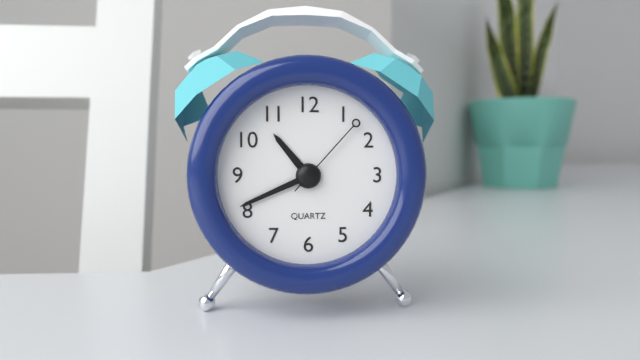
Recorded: {"hour": 10, "minute": 41, "second": 7}
